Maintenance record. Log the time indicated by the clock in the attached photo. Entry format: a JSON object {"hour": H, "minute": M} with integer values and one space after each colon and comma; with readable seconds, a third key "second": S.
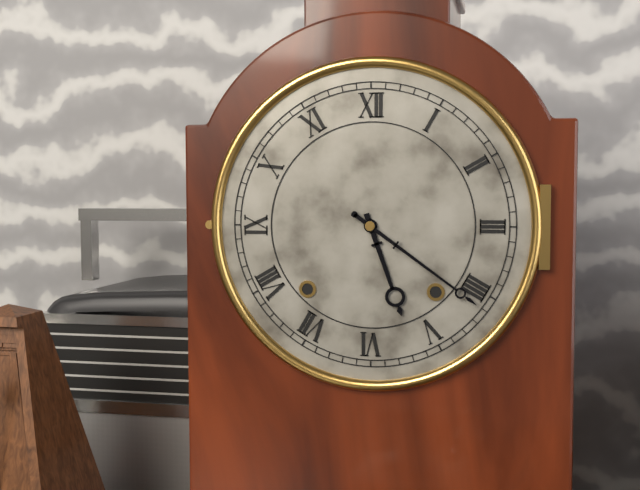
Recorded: {"hour": 5, "minute": 21}
